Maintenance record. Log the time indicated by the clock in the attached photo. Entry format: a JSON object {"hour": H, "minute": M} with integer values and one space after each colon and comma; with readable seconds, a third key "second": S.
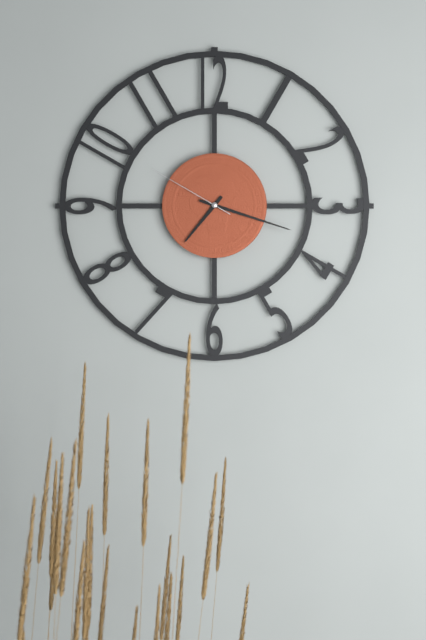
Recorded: {"hour": 7, "minute": 18, "second": 50}
